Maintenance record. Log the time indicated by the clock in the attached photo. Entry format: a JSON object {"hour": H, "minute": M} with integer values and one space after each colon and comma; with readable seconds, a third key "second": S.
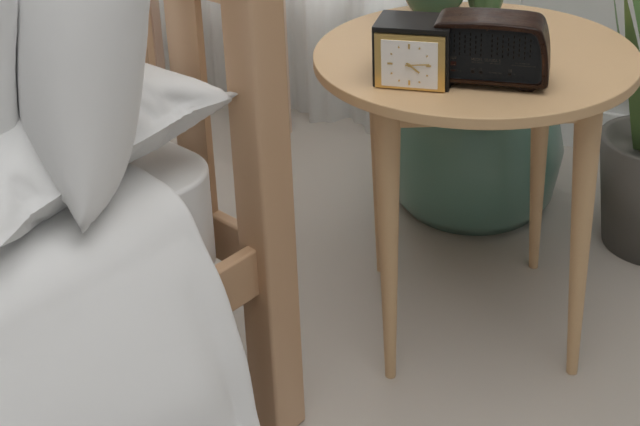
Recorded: {"hour": 4, "minute": 14}
